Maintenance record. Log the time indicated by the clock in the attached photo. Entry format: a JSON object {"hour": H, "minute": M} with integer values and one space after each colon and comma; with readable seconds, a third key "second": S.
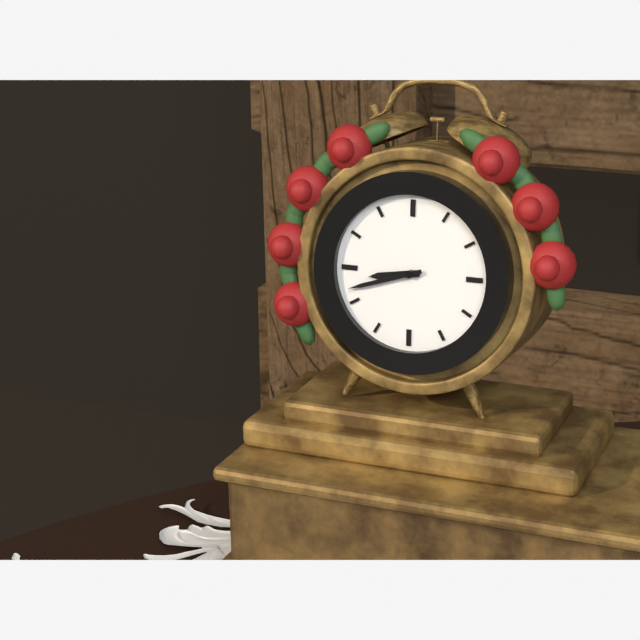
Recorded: {"hour": 8, "minute": 42}
